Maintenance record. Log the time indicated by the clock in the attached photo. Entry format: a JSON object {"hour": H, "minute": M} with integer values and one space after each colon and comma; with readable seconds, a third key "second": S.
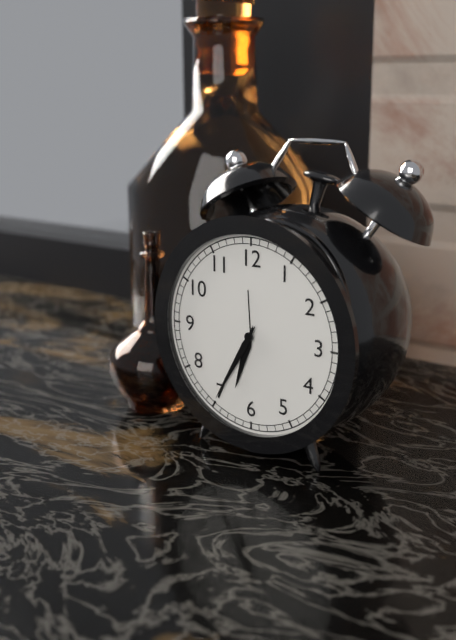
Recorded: {"hour": 6, "minute": 35}
